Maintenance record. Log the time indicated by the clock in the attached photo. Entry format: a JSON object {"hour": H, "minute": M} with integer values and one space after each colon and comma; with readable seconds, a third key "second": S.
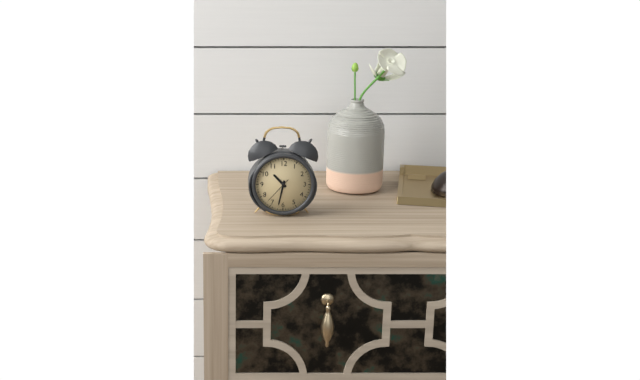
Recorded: {"hour": 10, "minute": 32}
